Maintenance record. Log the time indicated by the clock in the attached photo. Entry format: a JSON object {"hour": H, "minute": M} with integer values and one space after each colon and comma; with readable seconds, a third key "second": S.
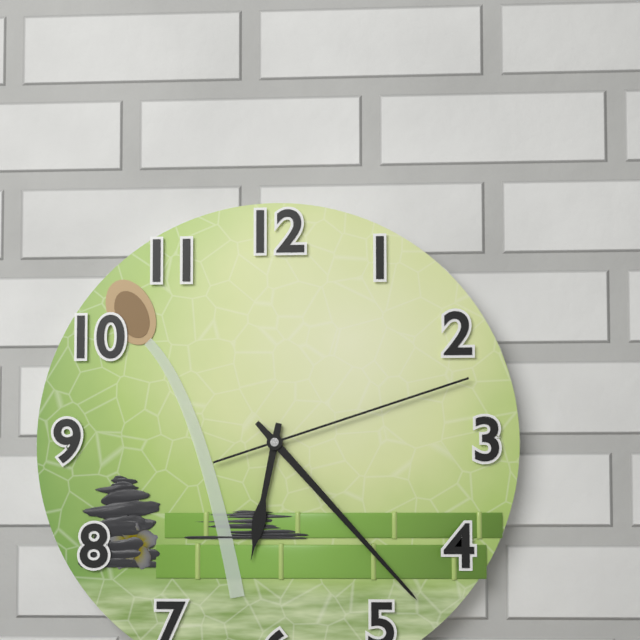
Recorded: {"hour": 6, "minute": 23, "second": 12}
